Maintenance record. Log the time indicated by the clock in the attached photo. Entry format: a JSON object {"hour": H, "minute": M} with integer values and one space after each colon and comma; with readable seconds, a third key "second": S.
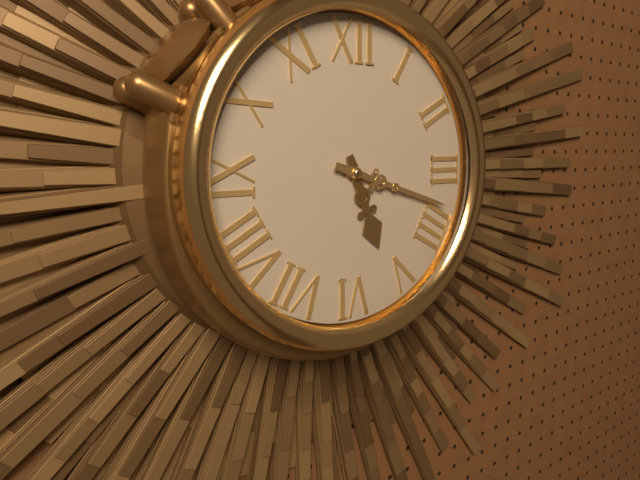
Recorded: {"hour": 5, "minute": 18}
